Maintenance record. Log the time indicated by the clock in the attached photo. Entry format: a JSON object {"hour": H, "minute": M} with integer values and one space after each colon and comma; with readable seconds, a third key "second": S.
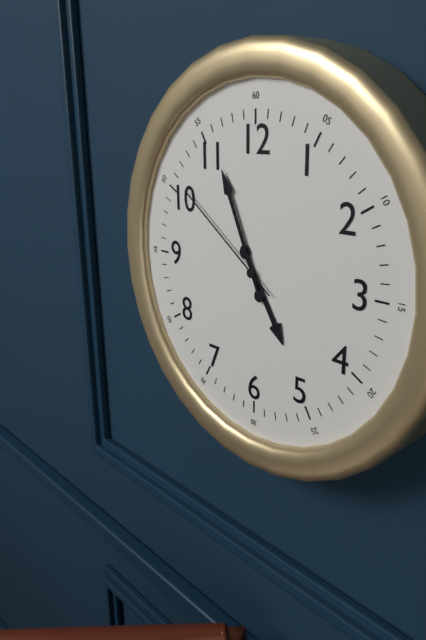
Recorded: {"hour": 4, "minute": 56, "second": 51}
